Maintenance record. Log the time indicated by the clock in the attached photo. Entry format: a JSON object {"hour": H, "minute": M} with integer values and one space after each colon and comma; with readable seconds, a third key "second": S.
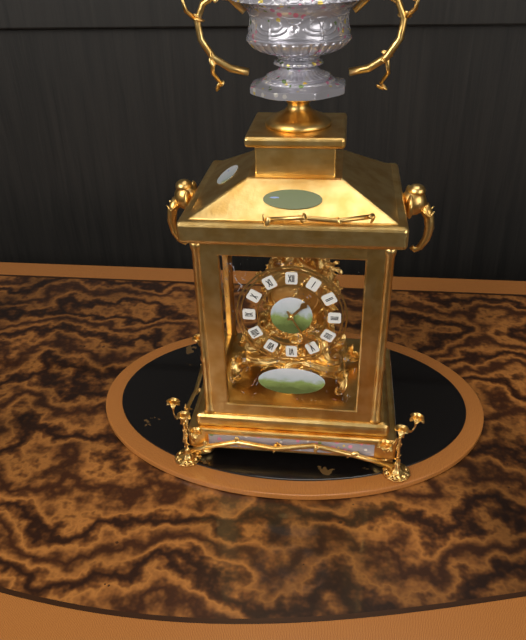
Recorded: {"hour": 1, "minute": 25}
